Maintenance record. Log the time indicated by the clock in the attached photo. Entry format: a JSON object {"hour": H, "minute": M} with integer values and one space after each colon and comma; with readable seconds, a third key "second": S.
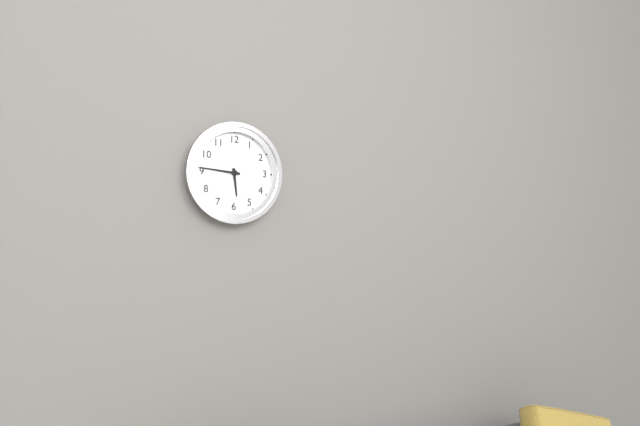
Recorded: {"hour": 5, "minute": 46}
